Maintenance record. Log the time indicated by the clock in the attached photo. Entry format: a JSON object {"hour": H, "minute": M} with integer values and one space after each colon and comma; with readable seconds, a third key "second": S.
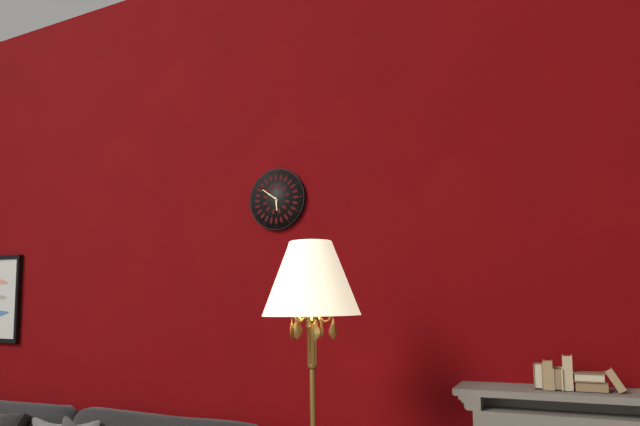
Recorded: {"hour": 5, "minute": 51}
